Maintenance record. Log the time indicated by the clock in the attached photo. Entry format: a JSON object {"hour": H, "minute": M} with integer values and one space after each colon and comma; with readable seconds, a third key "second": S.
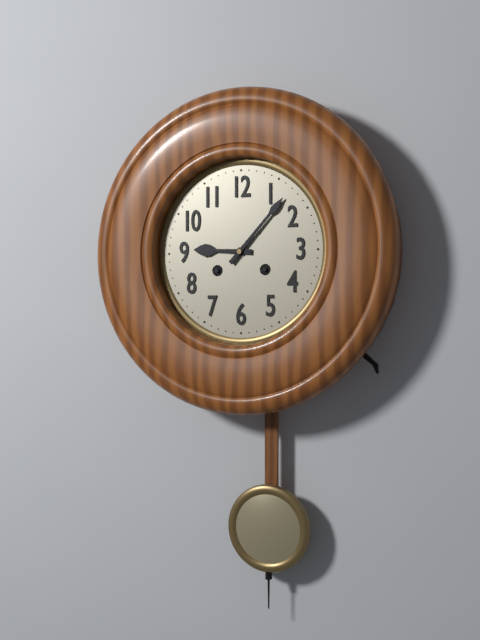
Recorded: {"hour": 9, "minute": 7}
